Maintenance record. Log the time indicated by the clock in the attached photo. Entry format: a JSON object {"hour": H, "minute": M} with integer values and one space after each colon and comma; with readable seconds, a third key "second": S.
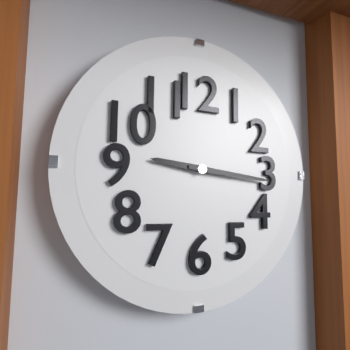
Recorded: {"hour": 9, "minute": 16}
